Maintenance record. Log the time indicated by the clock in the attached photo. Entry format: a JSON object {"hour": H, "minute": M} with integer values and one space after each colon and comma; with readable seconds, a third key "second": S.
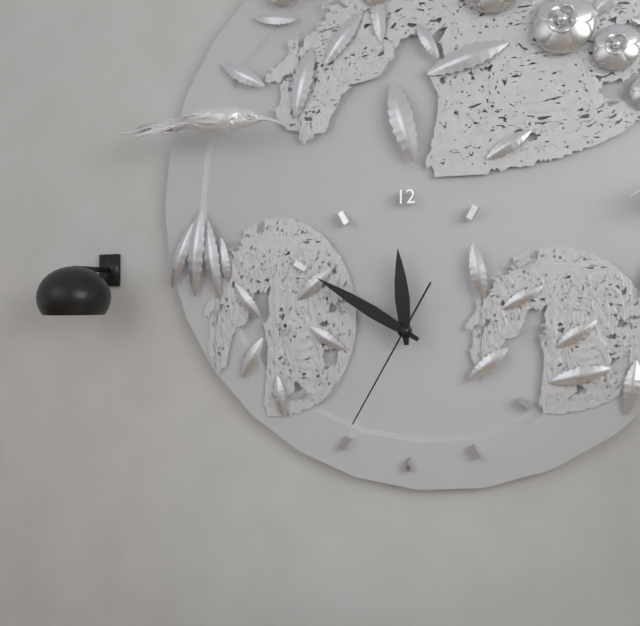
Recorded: {"hour": 11, "minute": 50, "second": 35}
